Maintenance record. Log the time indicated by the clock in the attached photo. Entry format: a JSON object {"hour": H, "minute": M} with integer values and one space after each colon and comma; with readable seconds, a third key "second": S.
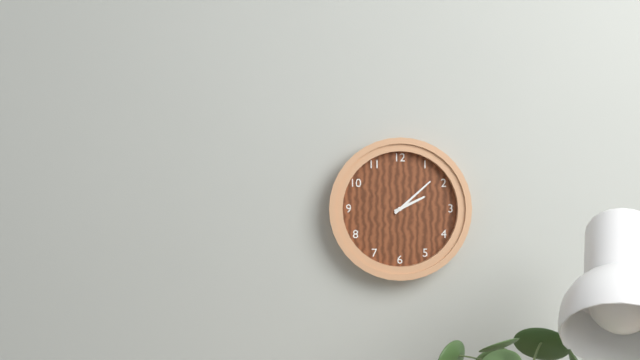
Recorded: {"hour": 2, "minute": 8}
